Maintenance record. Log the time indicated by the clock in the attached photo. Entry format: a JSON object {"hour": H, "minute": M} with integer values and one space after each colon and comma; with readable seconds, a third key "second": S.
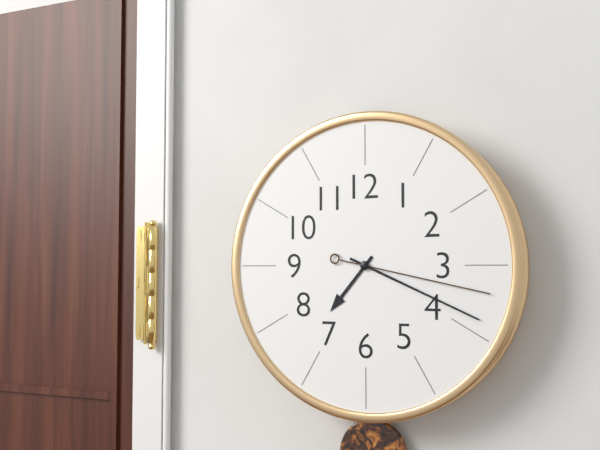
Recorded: {"hour": 7, "minute": 19, "second": 17}
